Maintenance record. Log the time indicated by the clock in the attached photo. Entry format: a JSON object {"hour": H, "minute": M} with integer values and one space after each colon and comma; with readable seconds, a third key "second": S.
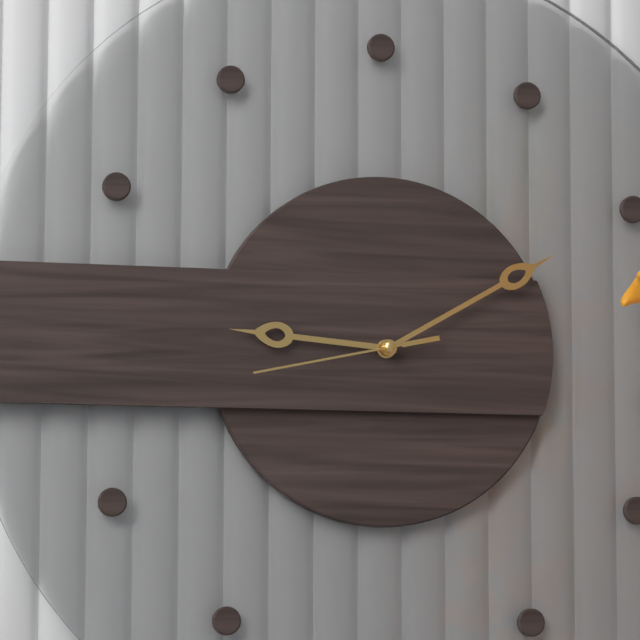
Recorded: {"hour": 9, "minute": 10, "second": 43}
